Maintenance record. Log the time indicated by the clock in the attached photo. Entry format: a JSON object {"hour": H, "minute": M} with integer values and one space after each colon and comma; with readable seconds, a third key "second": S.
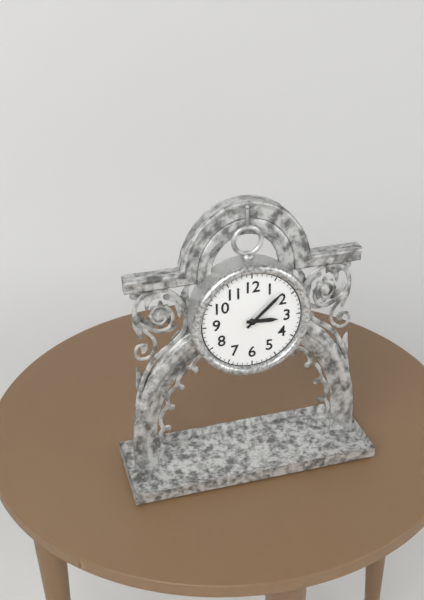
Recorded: {"hour": 3, "minute": 8}
